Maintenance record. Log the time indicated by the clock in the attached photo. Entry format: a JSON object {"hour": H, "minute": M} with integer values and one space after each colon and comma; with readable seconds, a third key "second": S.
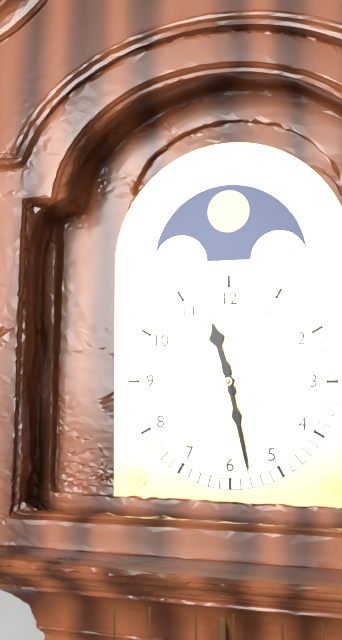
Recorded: {"hour": 11, "minute": 28}
